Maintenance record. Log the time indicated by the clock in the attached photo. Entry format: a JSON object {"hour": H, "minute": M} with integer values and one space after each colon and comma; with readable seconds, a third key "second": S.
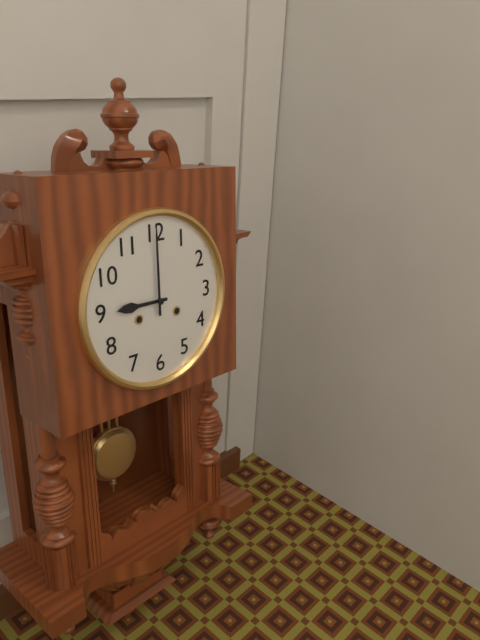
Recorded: {"hour": 9, "minute": 0}
